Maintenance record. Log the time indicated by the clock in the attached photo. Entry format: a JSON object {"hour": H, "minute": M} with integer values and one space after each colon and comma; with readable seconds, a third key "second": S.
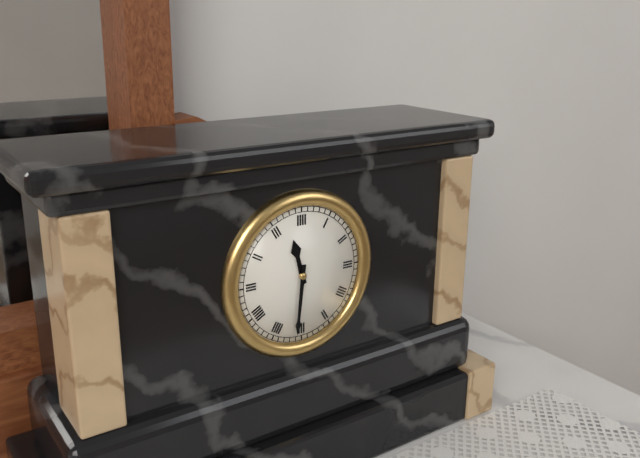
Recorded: {"hour": 11, "minute": 31}
